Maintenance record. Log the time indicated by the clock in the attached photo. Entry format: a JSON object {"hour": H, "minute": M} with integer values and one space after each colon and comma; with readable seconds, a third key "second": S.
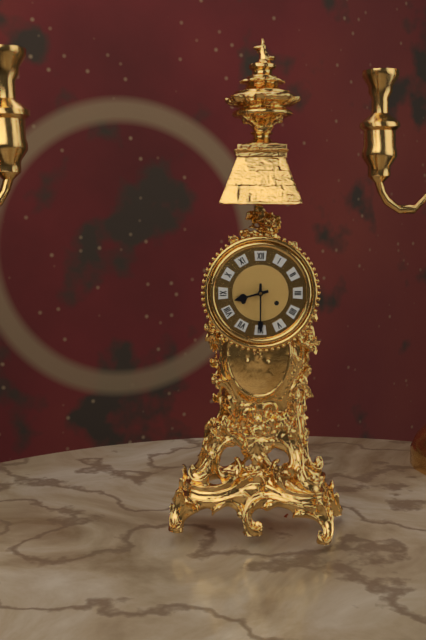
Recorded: {"hour": 8, "minute": 30}
